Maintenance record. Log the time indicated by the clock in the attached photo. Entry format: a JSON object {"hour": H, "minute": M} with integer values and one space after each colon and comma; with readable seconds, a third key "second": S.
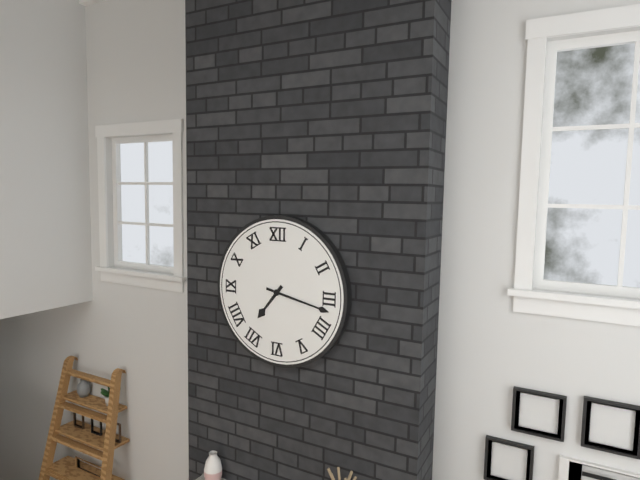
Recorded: {"hour": 7, "minute": 17}
